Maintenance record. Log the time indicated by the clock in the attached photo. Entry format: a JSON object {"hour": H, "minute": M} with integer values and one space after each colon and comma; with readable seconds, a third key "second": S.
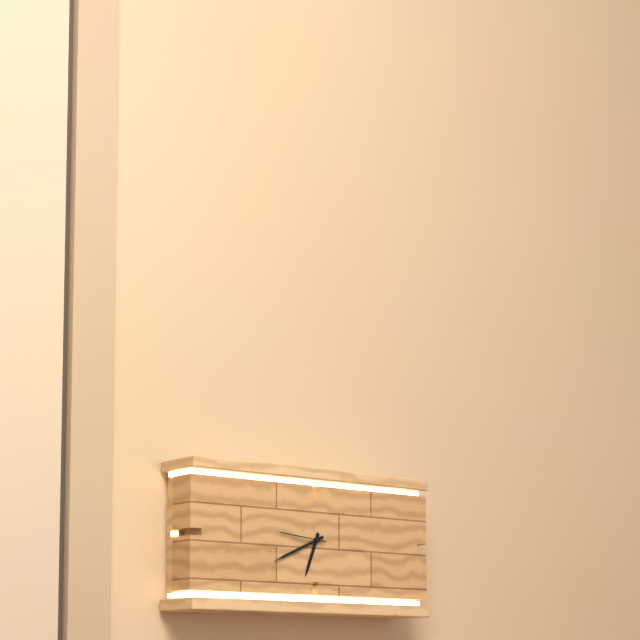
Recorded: {"hour": 6, "minute": 41}
